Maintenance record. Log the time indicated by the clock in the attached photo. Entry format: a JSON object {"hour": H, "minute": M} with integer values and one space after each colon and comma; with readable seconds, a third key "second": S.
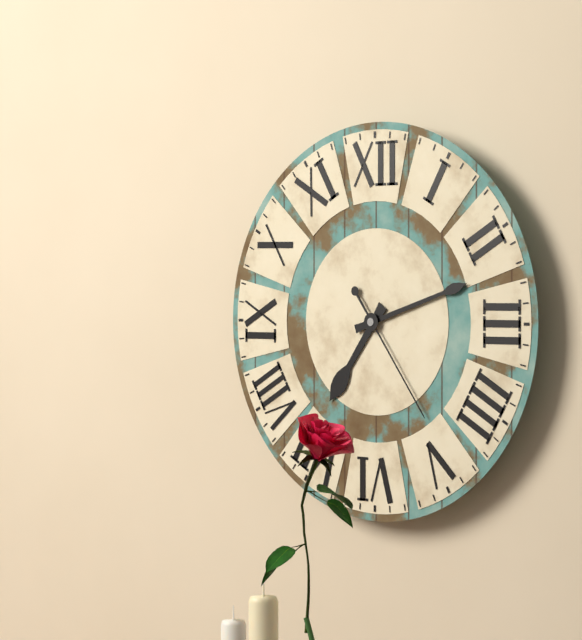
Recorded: {"hour": 7, "minute": 12, "second": 24}
